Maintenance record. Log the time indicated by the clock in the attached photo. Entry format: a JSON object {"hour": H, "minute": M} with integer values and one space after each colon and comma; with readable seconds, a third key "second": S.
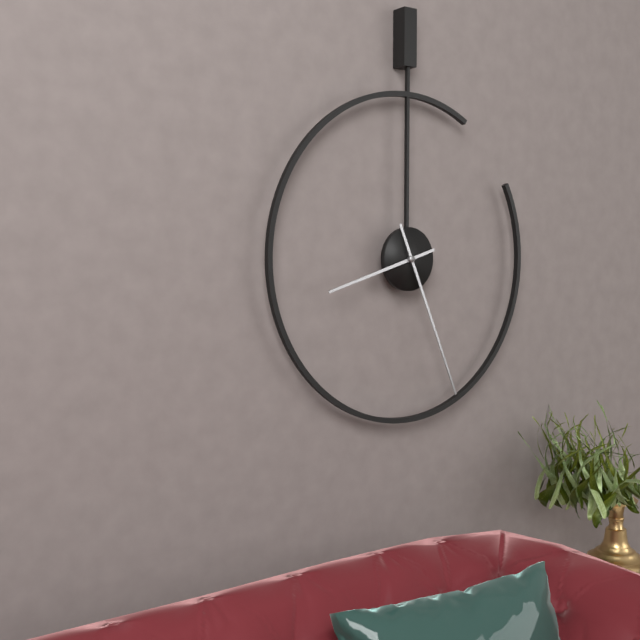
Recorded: {"hour": 8, "minute": 26}
